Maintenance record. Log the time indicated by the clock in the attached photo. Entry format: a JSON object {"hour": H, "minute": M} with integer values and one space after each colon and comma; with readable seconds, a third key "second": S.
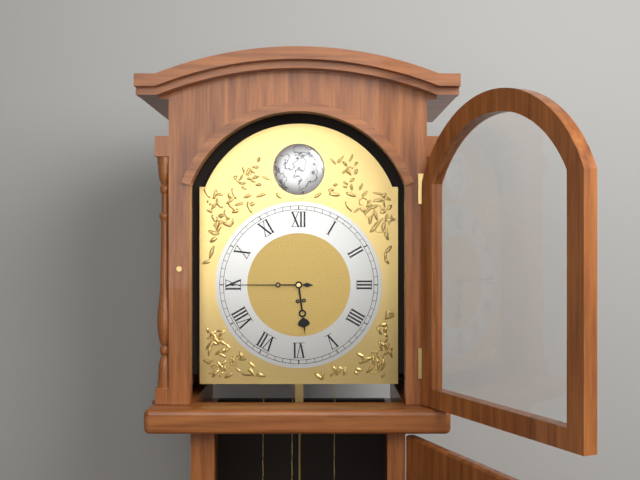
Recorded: {"hour": 5, "minute": 45}
